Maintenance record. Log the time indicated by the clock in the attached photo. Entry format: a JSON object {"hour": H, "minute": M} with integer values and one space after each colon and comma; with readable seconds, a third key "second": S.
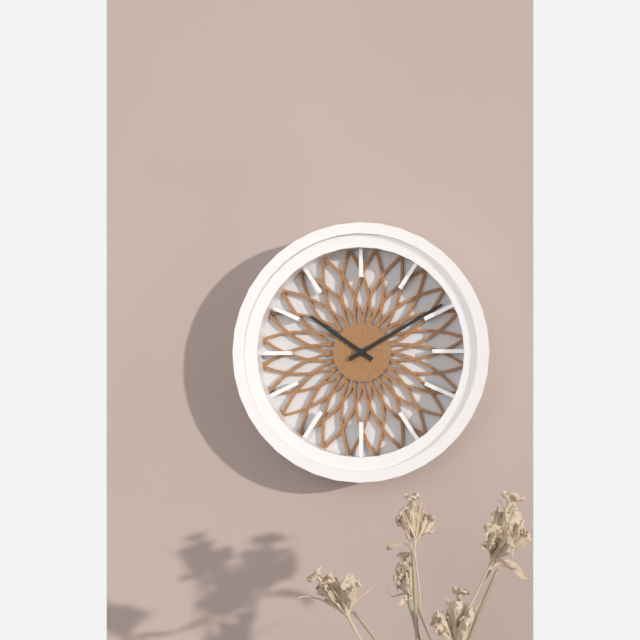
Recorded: {"hour": 10, "minute": 10}
